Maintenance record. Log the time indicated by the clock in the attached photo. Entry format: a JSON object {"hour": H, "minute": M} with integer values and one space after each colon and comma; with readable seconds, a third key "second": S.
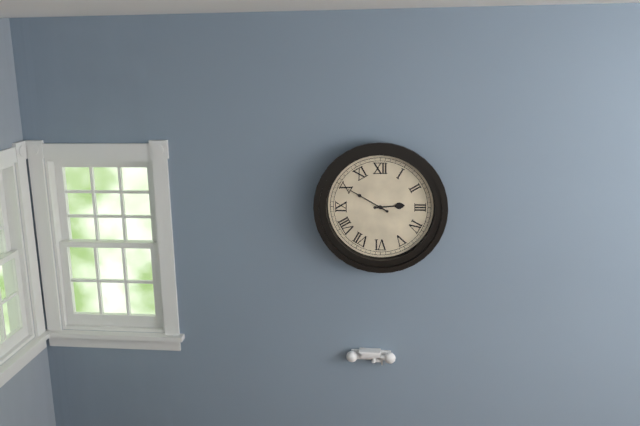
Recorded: {"hour": 2, "minute": 50}
